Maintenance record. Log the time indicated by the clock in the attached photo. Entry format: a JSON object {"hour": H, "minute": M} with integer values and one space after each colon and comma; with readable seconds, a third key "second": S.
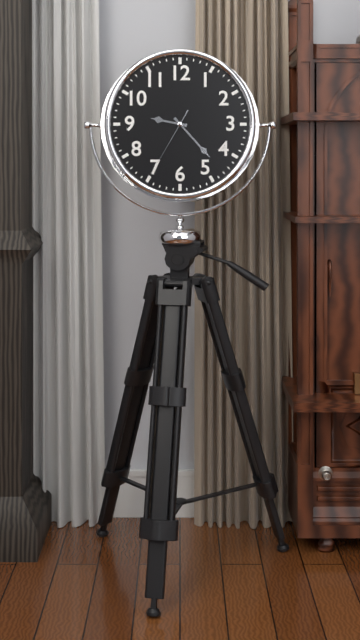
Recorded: {"hour": 9, "minute": 23, "second": 35}
